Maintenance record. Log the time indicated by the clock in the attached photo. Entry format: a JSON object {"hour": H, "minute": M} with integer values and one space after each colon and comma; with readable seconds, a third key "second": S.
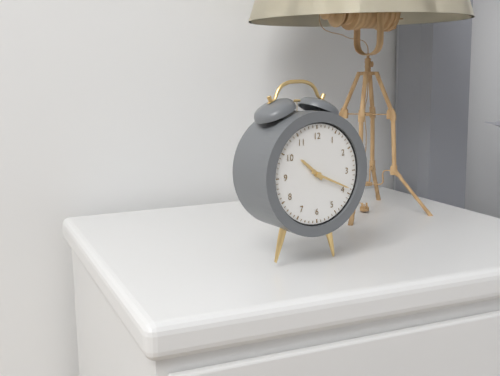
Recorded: {"hour": 10, "minute": 19}
